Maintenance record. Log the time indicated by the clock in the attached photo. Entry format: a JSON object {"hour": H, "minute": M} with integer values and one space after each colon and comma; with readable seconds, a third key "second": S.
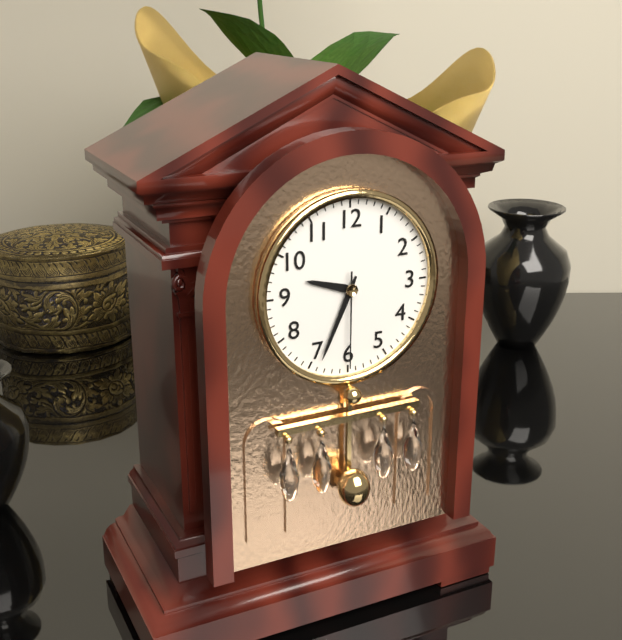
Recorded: {"hour": 9, "minute": 34, "second": 30}
